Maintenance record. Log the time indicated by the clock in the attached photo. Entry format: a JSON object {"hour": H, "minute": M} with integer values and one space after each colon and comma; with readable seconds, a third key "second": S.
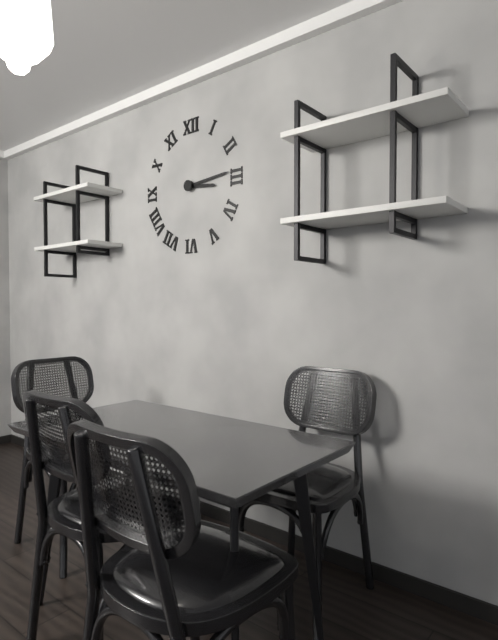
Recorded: {"hour": 3, "minute": 14}
